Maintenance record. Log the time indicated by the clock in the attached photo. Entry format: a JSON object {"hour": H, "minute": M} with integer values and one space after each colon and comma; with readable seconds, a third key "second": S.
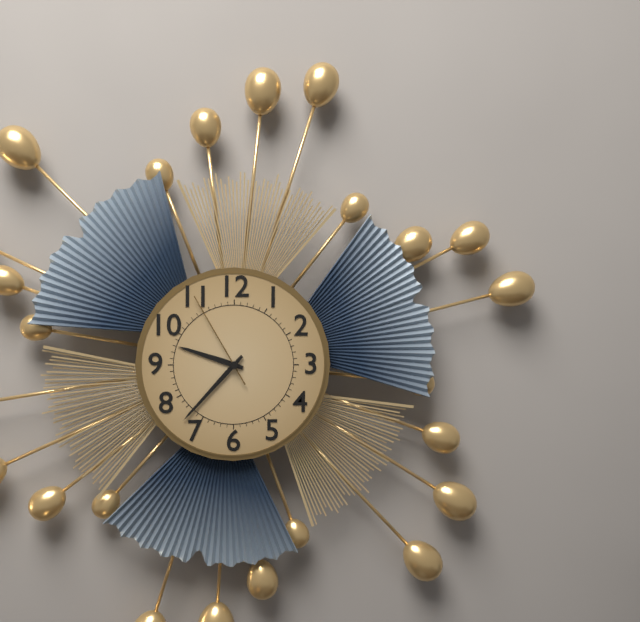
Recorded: {"hour": 9, "minute": 37, "second": 55}
